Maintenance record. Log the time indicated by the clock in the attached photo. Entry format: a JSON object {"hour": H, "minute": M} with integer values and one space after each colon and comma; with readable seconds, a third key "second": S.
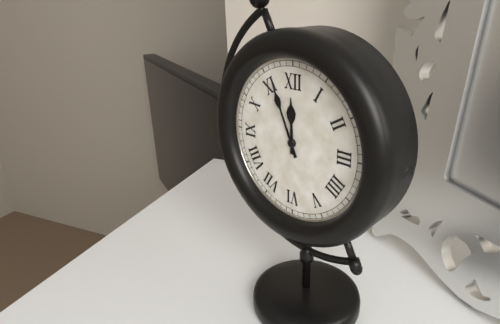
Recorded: {"hour": 11, "minute": 56}
